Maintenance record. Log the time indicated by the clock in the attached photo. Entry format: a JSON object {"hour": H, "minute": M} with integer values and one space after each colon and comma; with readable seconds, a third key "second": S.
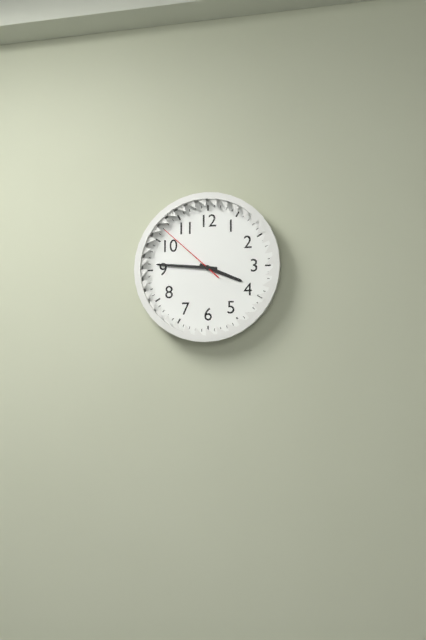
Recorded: {"hour": 3, "minute": 46, "second": 52}
